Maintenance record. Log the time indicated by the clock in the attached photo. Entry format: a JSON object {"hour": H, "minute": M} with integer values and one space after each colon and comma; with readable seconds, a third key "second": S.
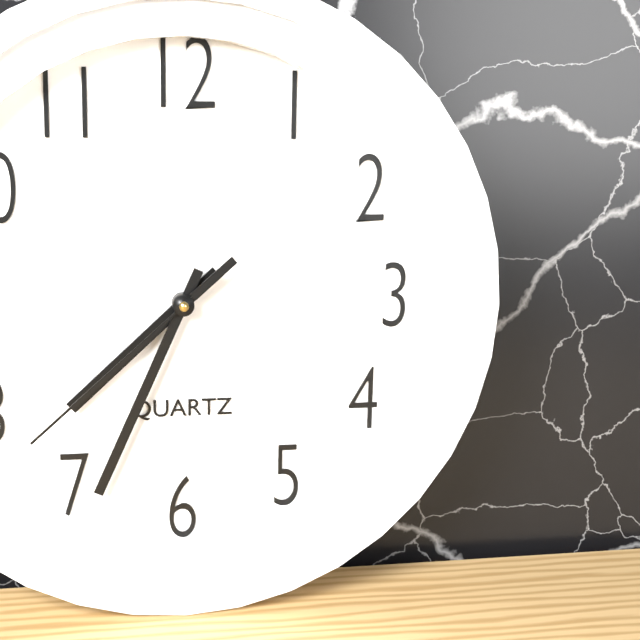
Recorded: {"hour": 7, "minute": 34, "second": 38}
